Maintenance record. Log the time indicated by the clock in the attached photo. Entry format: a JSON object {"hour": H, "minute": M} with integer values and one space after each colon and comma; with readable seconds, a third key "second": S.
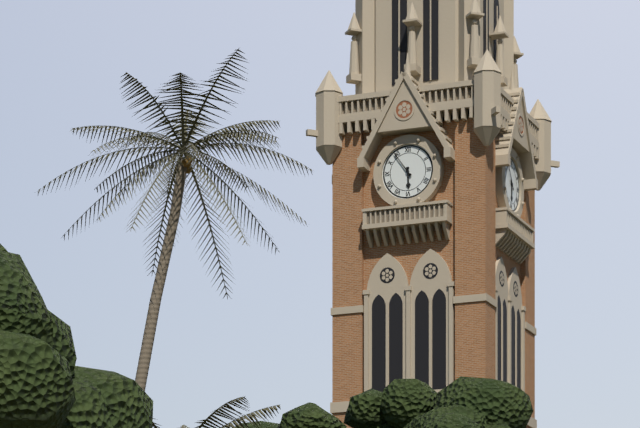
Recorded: {"hour": 5, "minute": 54}
